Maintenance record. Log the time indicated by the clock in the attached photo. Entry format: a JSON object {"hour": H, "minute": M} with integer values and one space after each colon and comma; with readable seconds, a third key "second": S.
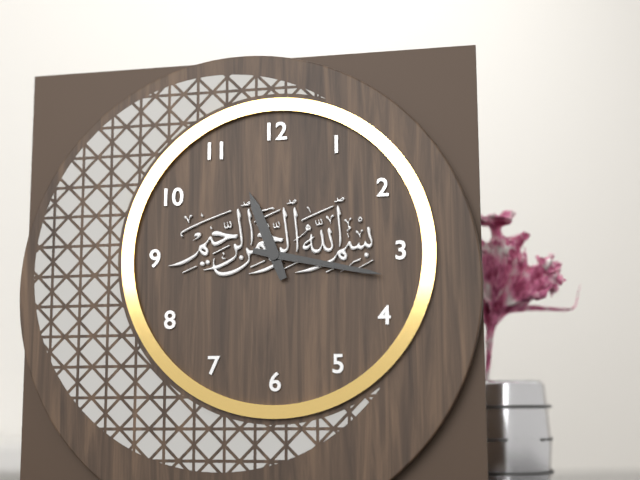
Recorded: {"hour": 11, "minute": 17}
